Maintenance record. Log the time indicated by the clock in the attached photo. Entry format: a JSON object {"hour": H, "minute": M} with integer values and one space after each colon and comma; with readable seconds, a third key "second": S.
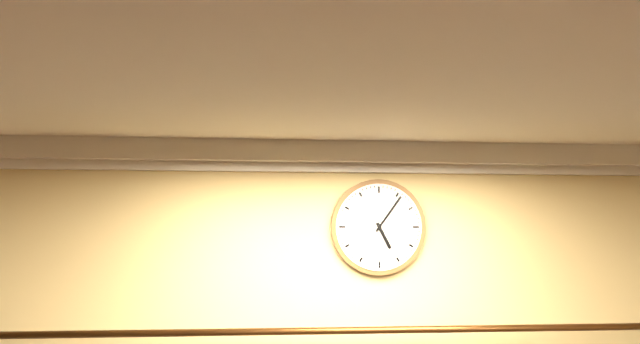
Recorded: {"hour": 5, "minute": 6}
